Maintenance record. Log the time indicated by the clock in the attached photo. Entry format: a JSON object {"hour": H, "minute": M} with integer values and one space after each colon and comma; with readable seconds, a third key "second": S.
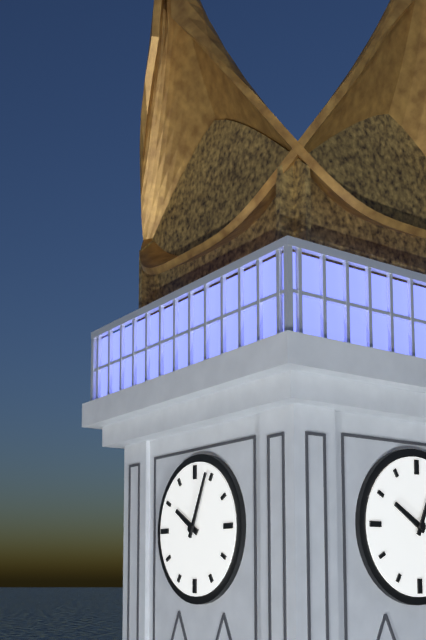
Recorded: {"hour": 10, "minute": 4}
